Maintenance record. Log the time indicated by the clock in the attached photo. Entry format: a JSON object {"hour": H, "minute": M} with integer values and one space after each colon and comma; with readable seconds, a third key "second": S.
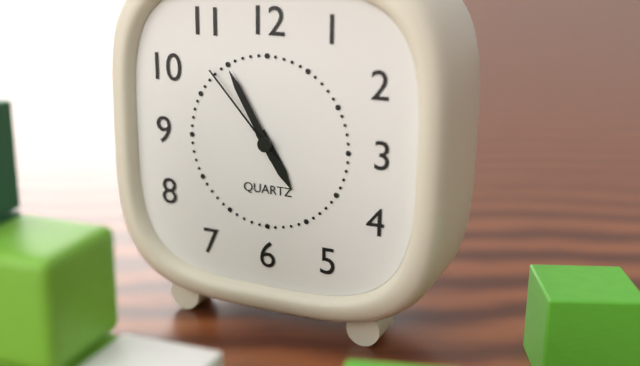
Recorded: {"hour": 4, "minute": 55, "second": 53}
